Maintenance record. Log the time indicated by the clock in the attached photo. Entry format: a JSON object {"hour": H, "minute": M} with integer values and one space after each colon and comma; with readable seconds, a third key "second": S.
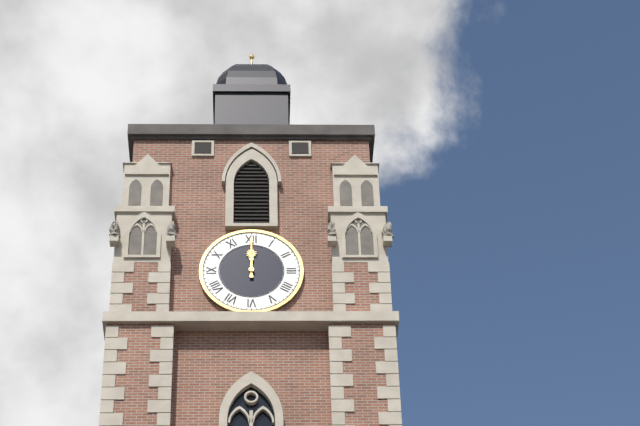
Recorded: {"hour": 12, "minute": 0}
